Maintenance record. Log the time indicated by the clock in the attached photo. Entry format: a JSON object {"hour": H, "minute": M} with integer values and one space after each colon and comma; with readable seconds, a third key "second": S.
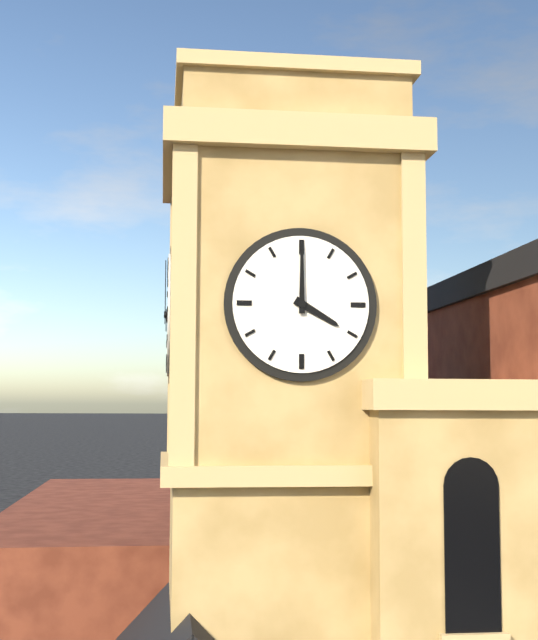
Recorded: {"hour": 4, "minute": 0}
